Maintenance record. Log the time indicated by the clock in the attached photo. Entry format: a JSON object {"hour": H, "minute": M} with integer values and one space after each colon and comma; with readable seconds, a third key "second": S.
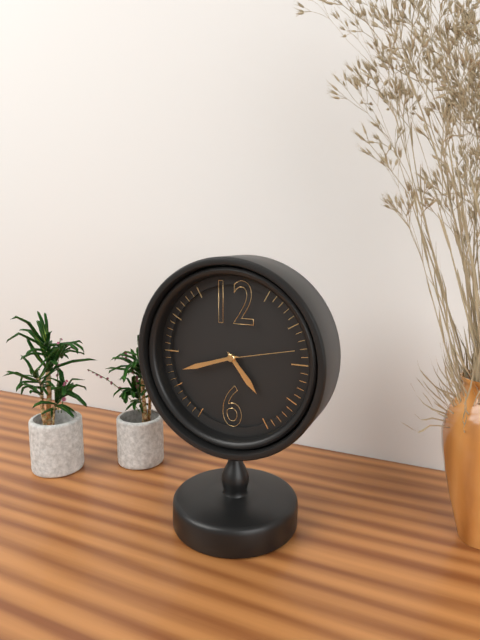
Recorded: {"hour": 4, "minute": 42, "second": 13}
